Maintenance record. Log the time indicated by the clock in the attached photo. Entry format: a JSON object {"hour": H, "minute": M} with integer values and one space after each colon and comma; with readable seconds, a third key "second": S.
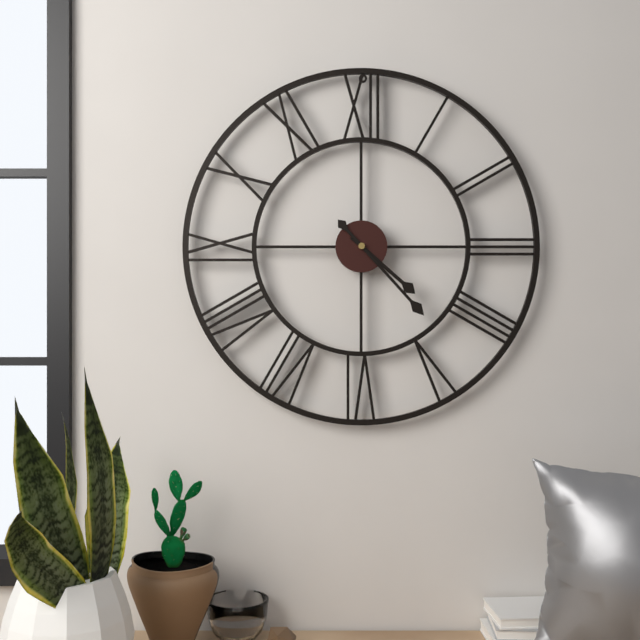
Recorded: {"hour": 4, "minute": 23}
